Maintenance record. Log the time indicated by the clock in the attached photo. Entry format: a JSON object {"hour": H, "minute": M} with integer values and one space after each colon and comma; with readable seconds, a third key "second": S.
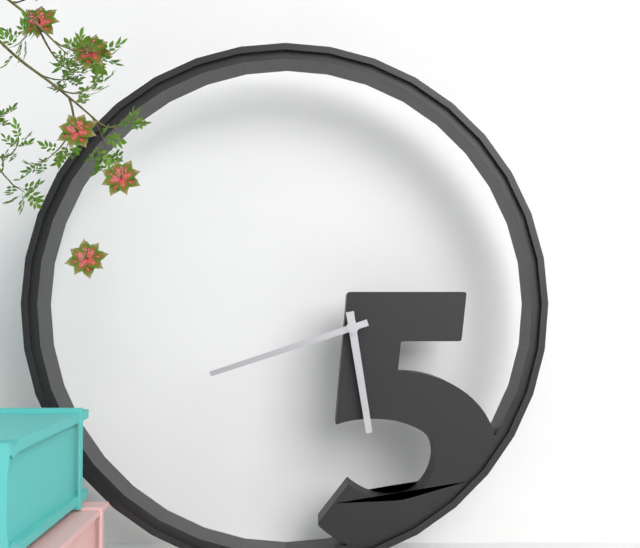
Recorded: {"hour": 5, "minute": 42}
